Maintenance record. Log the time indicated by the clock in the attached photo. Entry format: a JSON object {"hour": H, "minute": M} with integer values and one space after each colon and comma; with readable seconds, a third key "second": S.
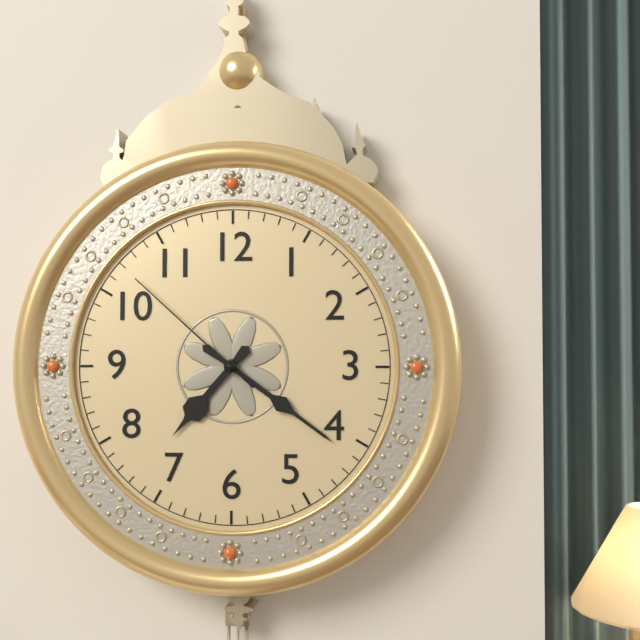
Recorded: {"hour": 7, "minute": 21, "second": 52}
